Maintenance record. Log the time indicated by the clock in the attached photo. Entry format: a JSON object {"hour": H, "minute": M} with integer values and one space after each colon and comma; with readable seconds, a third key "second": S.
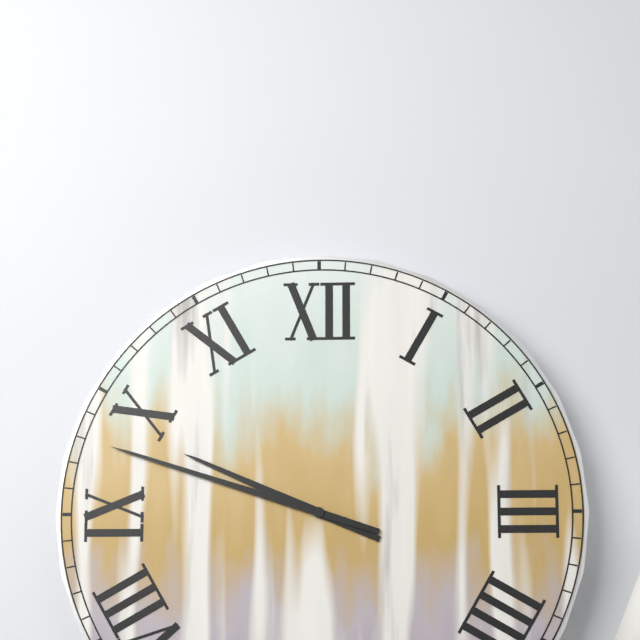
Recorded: {"hour": 9, "minute": 48}
